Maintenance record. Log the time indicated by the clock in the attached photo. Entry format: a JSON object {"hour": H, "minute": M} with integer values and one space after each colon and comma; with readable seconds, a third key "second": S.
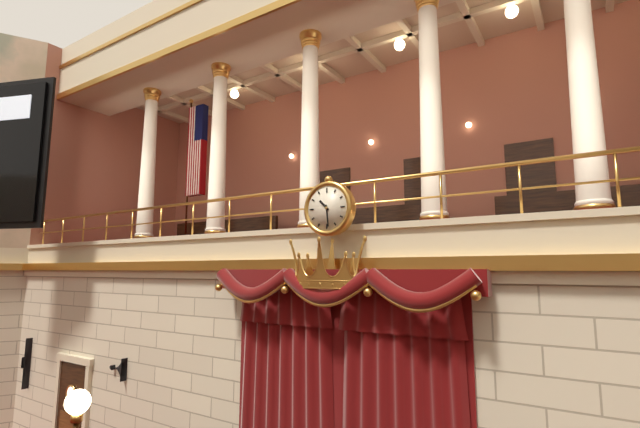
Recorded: {"hour": 10, "minute": 29}
